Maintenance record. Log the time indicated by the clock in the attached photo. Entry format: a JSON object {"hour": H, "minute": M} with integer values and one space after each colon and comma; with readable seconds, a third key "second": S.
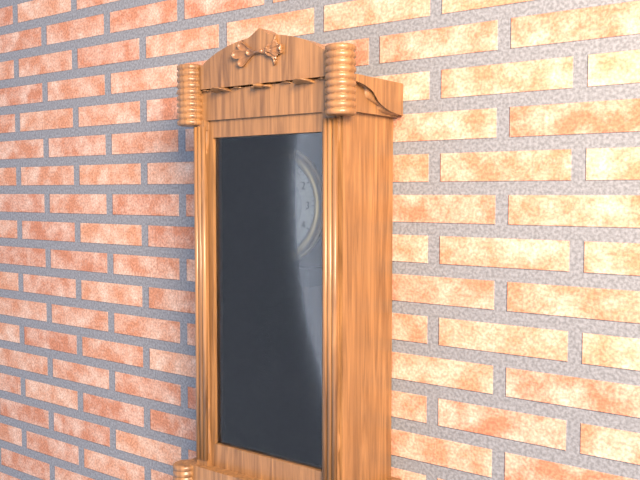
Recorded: {"hour": 1, "minute": 49}
